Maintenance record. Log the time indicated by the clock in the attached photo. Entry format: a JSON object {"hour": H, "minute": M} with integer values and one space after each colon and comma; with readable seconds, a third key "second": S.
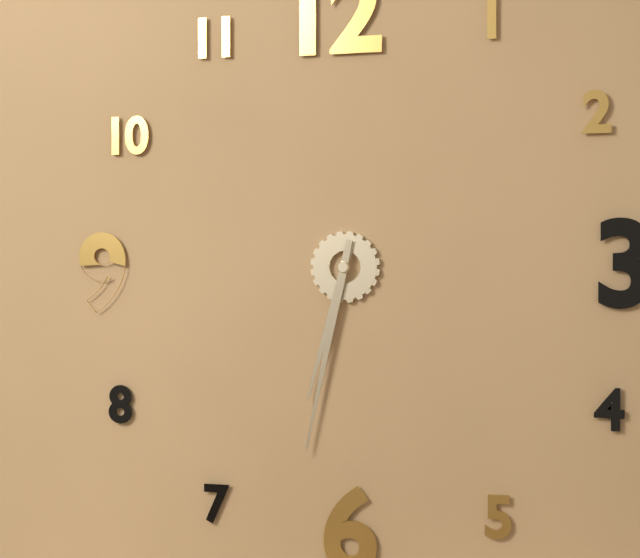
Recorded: {"hour": 6, "minute": 32}
